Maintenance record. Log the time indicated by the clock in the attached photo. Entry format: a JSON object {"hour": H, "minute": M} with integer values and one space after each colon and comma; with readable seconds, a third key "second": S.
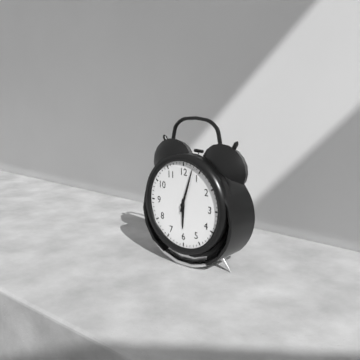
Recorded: {"hour": 6, "minute": 3}
